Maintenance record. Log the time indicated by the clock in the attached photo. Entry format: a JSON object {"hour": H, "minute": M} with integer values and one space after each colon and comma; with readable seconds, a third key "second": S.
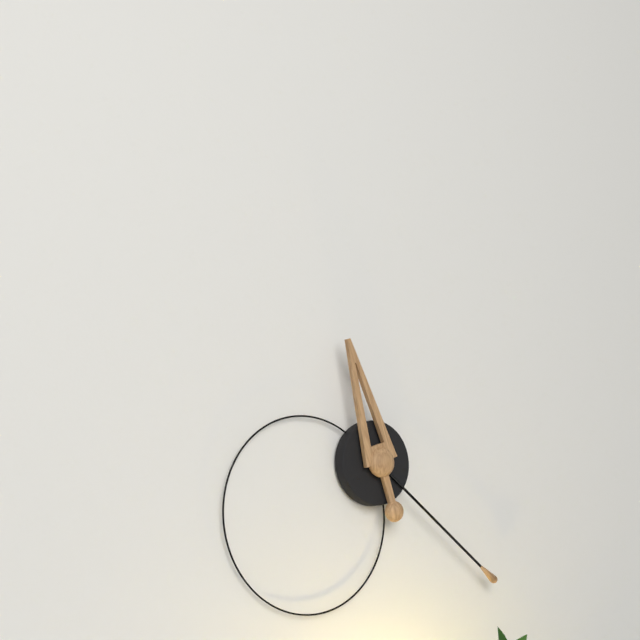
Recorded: {"hour": 11, "minute": 21}
